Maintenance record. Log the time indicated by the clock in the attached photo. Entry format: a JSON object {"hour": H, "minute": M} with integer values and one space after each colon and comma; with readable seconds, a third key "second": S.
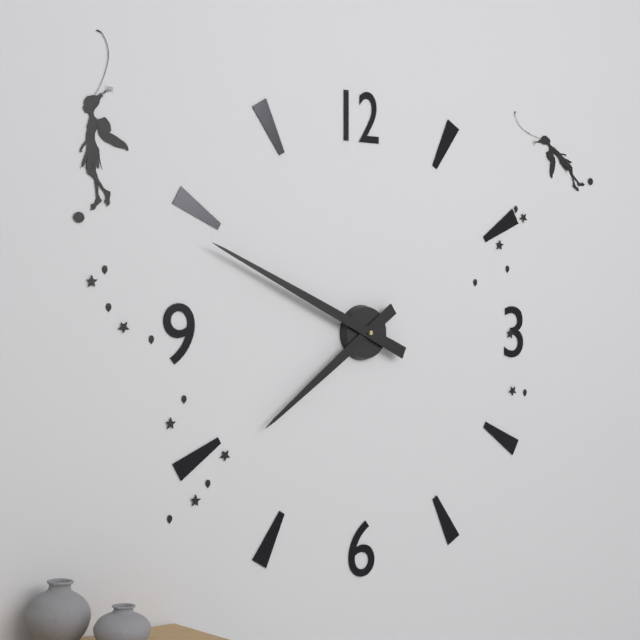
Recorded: {"hour": 7, "minute": 49}
